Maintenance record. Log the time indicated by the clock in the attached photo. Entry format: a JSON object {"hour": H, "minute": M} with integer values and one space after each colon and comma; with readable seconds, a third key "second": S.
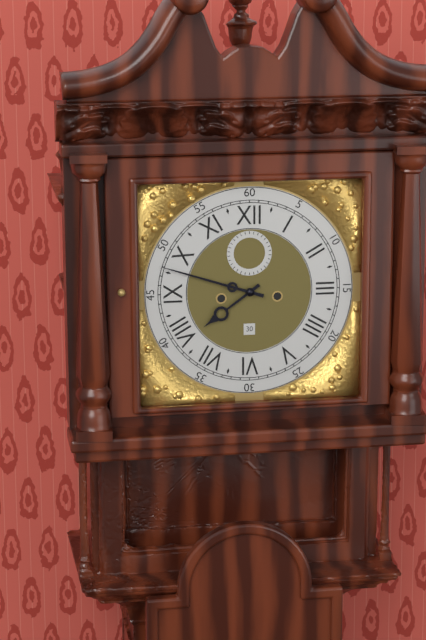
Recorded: {"hour": 7, "minute": 48}
